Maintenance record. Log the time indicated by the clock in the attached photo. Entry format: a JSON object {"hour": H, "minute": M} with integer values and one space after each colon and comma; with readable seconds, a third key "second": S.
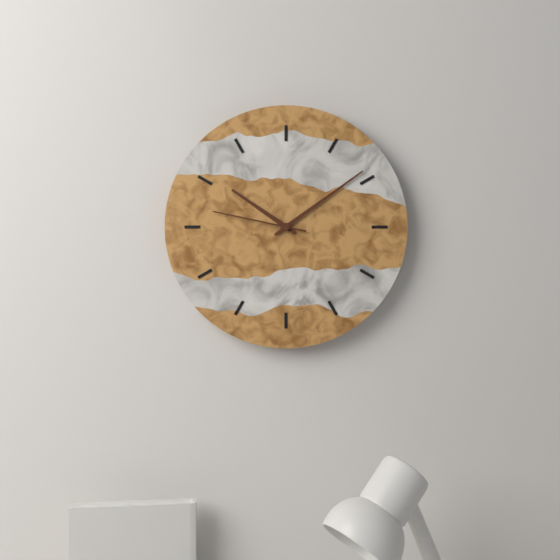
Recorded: {"hour": 10, "minute": 9, "second": 47}
